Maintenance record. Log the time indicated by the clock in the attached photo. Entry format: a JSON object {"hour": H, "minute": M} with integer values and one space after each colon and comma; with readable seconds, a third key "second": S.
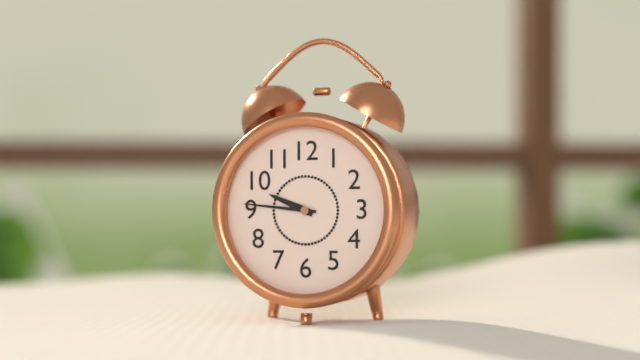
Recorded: {"hour": 9, "minute": 46}
